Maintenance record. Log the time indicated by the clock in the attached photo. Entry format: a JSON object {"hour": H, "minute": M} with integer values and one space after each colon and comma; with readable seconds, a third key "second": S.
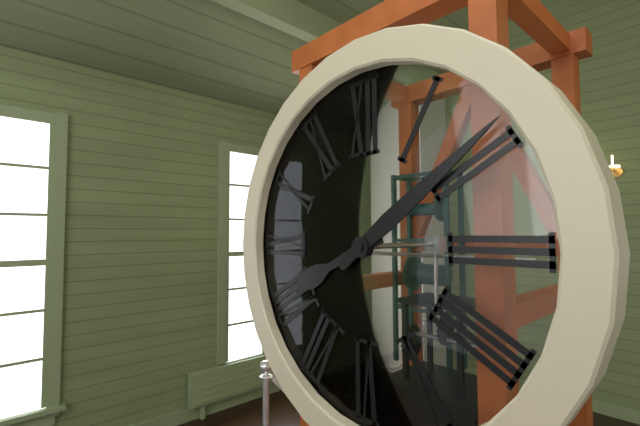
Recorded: {"hour": 8, "minute": 9}
